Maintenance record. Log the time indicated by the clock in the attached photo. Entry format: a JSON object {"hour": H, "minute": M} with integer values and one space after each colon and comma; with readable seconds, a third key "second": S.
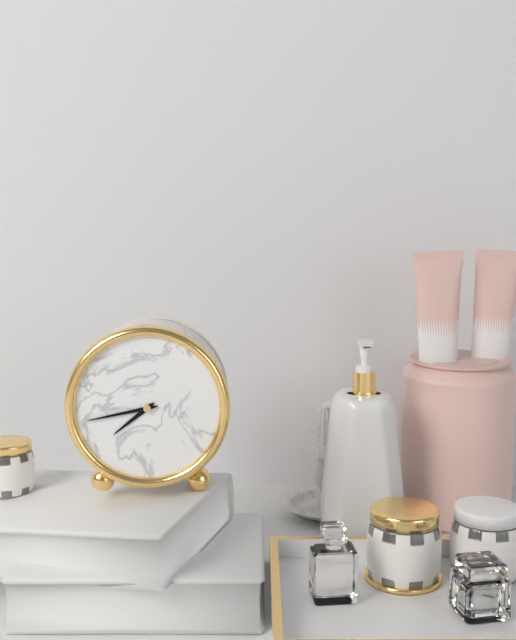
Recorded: {"hour": 7, "minute": 43}
